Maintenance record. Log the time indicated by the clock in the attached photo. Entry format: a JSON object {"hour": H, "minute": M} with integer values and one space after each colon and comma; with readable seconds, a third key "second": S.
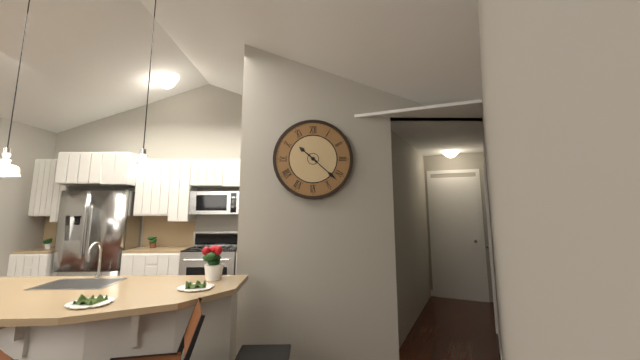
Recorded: {"hour": 10, "minute": 22}
